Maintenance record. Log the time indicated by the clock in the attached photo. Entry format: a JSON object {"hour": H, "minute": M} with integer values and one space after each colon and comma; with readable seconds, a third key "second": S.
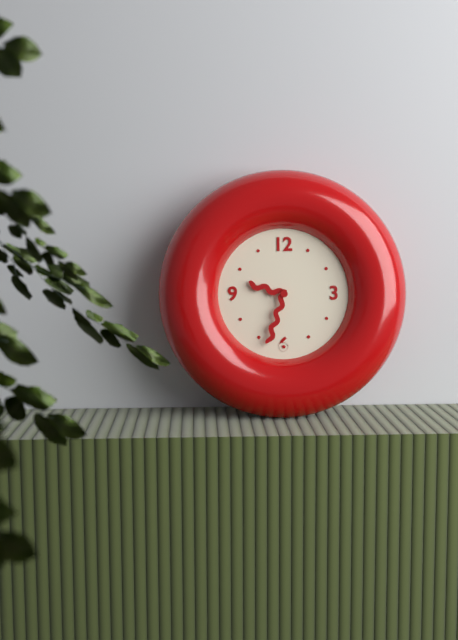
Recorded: {"hour": 9, "minute": 33}
